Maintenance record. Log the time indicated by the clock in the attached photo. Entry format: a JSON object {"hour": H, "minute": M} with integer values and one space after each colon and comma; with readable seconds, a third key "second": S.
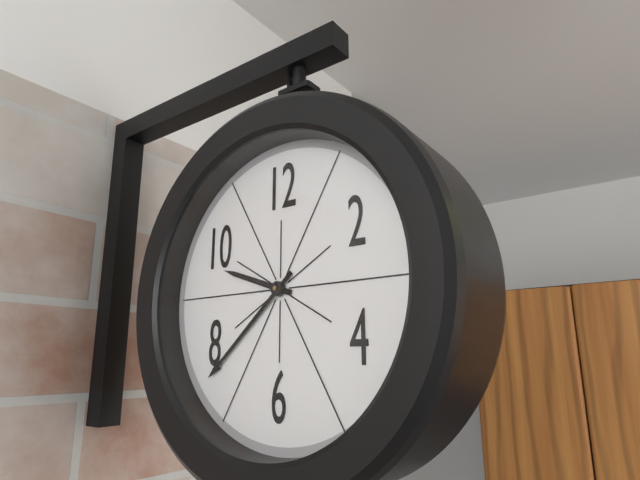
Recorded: {"hour": 9, "minute": 38}
